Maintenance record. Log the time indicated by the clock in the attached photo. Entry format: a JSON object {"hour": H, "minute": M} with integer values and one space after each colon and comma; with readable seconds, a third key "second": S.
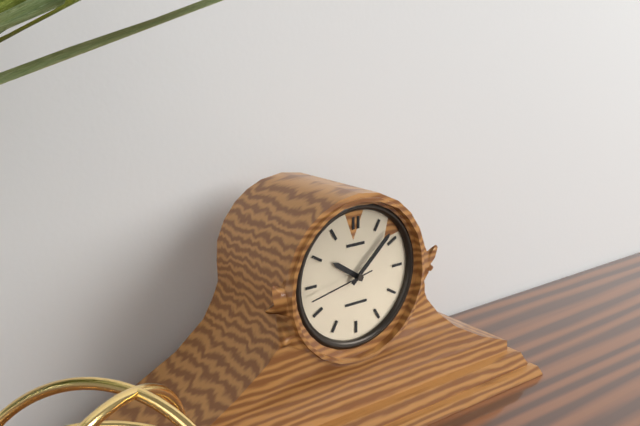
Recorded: {"hour": 10, "minute": 8, "second": 43}
